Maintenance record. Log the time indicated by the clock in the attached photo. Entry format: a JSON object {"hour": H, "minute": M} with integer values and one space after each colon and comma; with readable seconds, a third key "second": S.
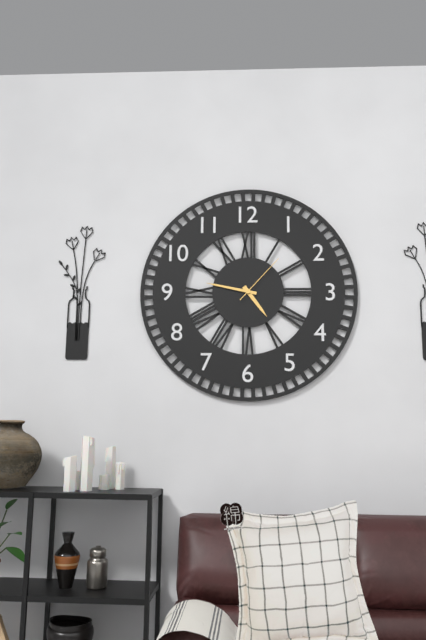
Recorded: {"hour": 4, "minute": 47, "second": 7}
